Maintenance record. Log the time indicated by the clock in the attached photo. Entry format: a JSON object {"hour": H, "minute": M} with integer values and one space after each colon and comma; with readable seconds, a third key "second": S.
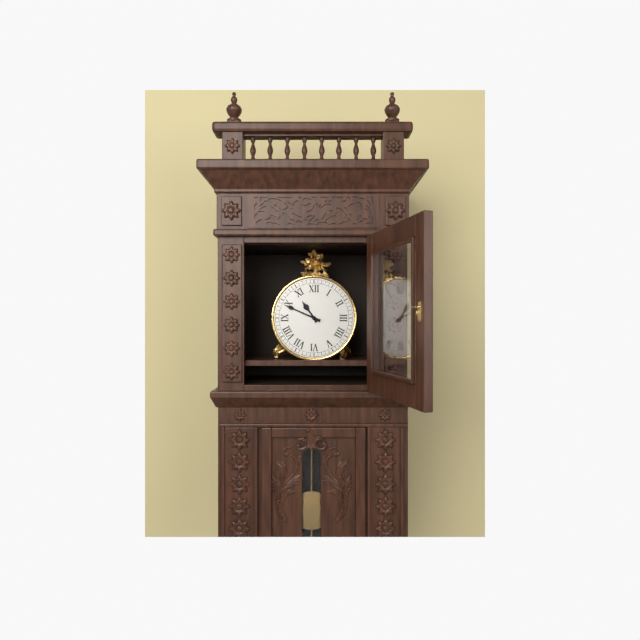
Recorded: {"hour": 10, "minute": 49}
